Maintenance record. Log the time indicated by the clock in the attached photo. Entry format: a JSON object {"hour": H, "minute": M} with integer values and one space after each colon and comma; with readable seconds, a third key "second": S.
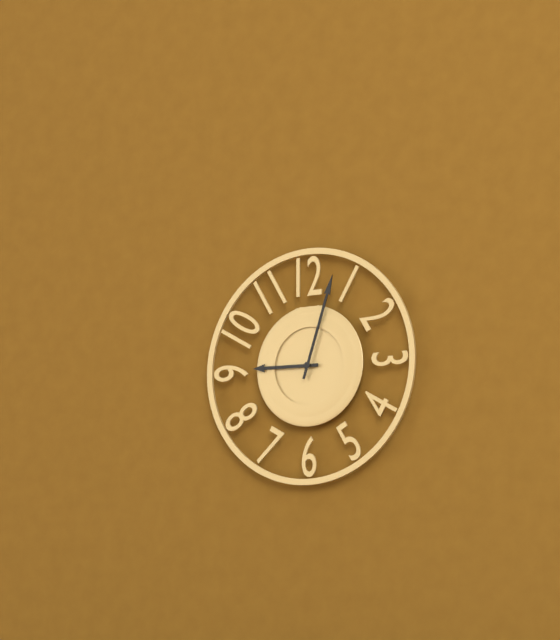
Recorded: {"hour": 9, "minute": 3}
